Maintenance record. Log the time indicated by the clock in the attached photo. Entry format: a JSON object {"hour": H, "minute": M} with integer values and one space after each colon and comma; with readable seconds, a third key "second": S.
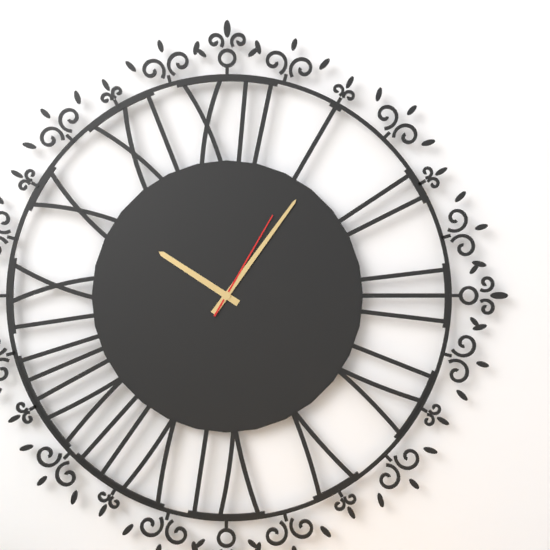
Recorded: {"hour": 10, "minute": 6, "second": 5}
